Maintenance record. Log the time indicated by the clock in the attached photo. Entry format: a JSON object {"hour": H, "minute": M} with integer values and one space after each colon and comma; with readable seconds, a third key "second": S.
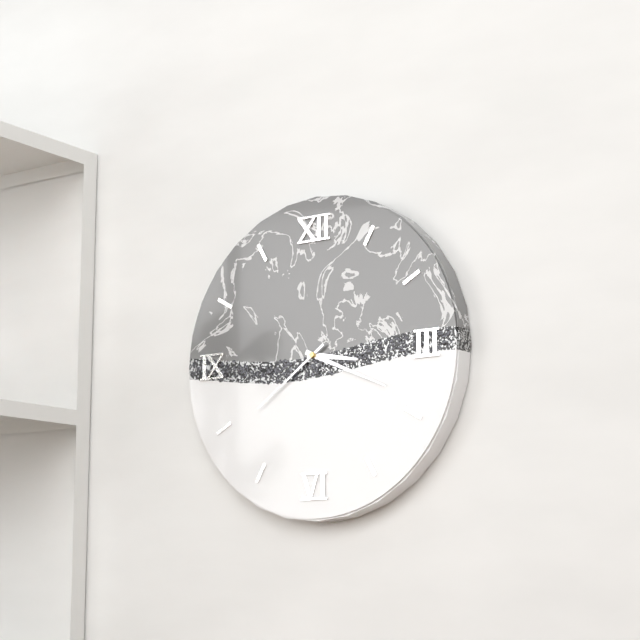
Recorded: {"hour": 3, "minute": 19, "second": 39}
